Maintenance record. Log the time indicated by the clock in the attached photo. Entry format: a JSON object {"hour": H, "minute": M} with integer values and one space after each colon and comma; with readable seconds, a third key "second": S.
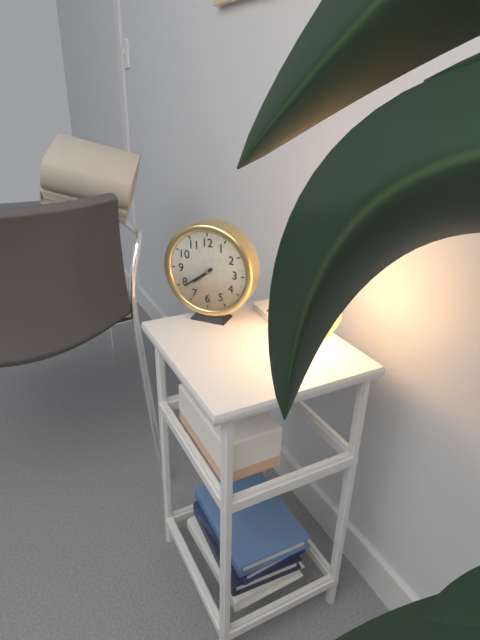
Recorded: {"hour": 7, "minute": 39}
